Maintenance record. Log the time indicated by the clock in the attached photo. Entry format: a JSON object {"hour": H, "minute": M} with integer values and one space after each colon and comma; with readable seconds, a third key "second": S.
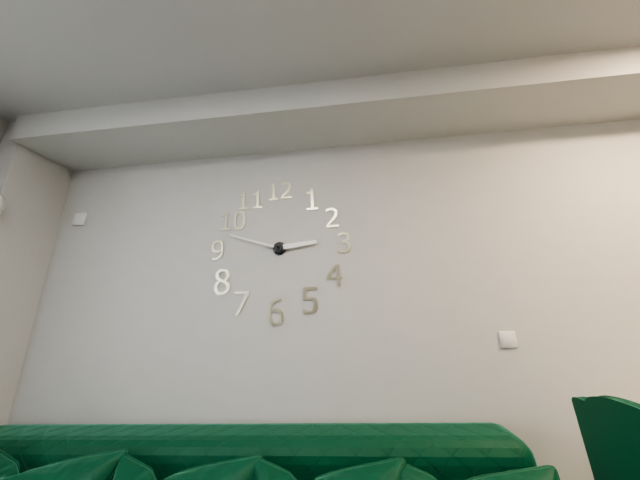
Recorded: {"hour": 2, "minute": 48}
